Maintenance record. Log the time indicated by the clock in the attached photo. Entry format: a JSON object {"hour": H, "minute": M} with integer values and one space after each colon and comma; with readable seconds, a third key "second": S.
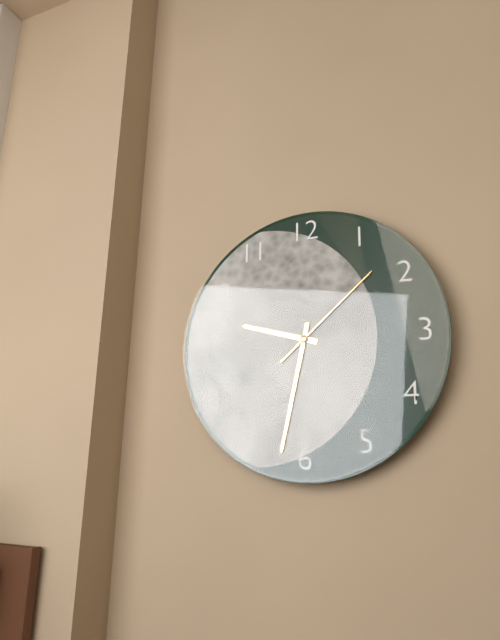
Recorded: {"hour": 9, "minute": 32, "second": 8}
